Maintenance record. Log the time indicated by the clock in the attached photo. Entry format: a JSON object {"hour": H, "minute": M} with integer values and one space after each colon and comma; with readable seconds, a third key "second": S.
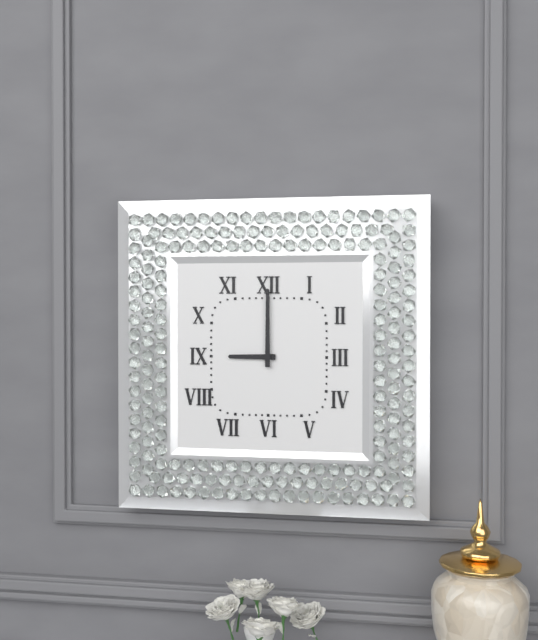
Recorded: {"hour": 9, "minute": 0}
